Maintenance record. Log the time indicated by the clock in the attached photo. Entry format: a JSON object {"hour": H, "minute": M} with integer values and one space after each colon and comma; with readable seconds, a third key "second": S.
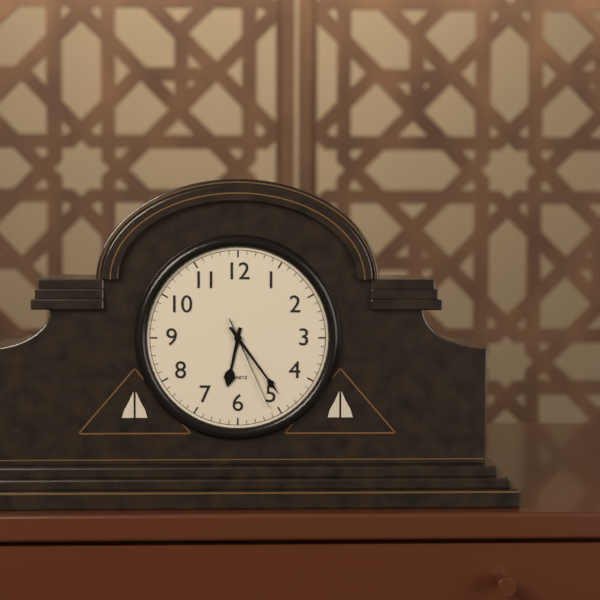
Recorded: {"hour": 6, "minute": 24, "second": 26}
